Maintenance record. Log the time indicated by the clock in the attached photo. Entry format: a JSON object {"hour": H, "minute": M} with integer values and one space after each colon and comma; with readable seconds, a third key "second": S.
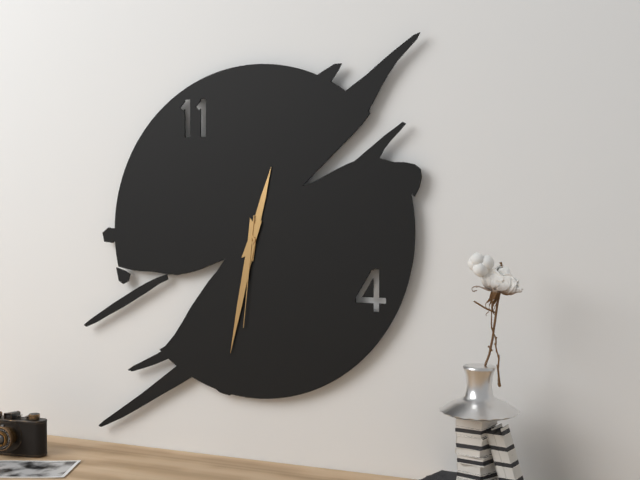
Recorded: {"hour": 12, "minute": 32, "second": 31}
